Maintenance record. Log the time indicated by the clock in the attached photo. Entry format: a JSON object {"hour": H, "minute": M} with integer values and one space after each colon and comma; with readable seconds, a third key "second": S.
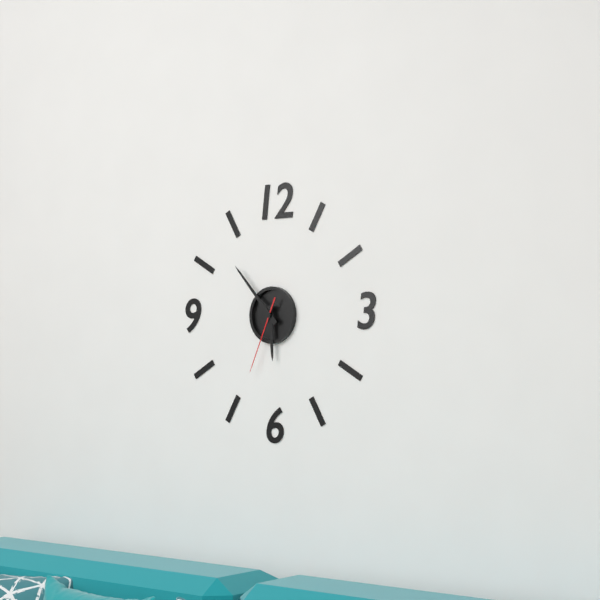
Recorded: {"hour": 5, "minute": 53, "second": 34}
